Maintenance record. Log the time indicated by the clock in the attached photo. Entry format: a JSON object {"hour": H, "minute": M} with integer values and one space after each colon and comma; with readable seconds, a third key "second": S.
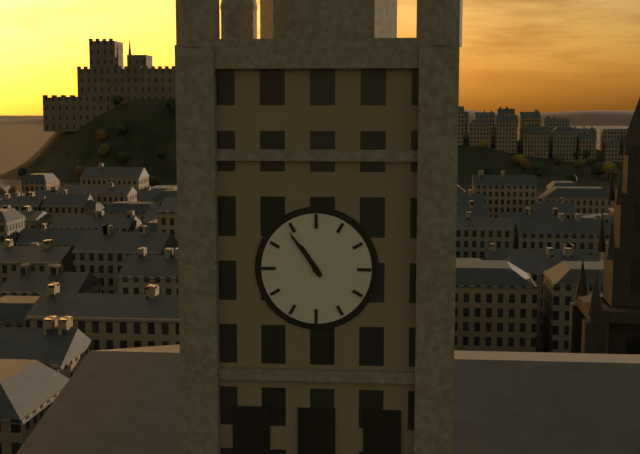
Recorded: {"hour": 10, "minute": 54}
